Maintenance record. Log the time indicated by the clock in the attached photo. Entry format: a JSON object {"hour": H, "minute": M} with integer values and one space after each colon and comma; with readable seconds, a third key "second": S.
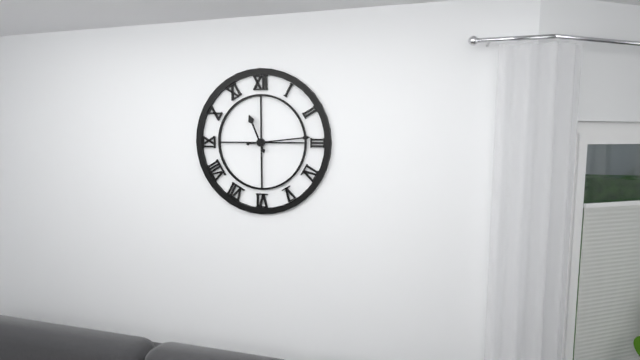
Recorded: {"hour": 11, "minute": 14}
